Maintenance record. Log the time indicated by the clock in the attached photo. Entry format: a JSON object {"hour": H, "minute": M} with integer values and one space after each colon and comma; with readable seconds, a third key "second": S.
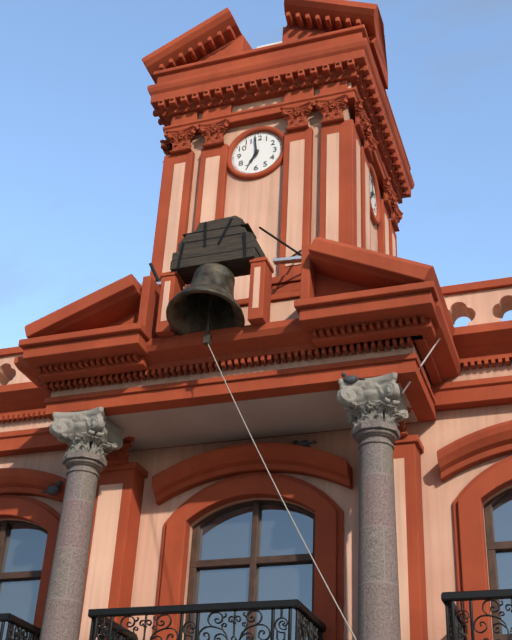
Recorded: {"hour": 6, "minute": 59}
